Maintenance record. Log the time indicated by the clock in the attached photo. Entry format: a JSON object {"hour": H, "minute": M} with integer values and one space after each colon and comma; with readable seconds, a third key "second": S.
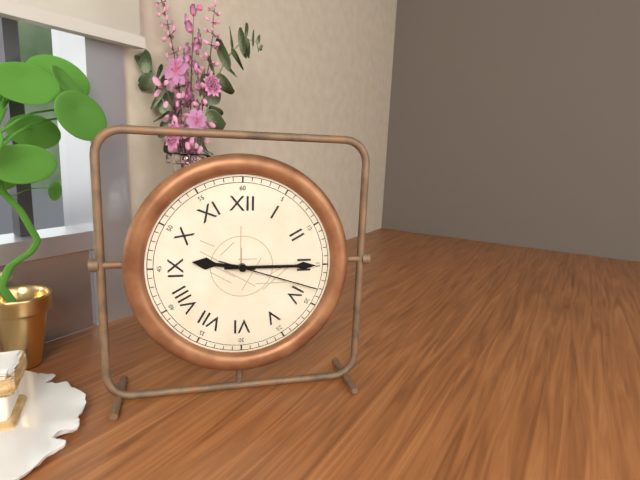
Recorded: {"hour": 9, "minute": 15, "second": 18}
